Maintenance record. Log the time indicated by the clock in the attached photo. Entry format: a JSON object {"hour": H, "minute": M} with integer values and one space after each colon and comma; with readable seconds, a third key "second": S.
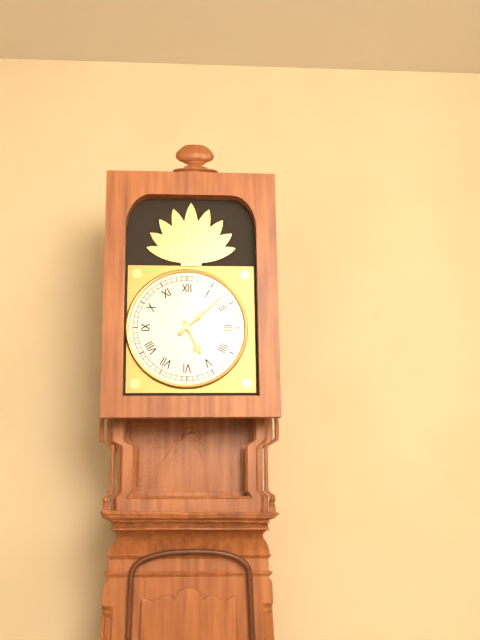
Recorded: {"hour": 5, "minute": 8}
